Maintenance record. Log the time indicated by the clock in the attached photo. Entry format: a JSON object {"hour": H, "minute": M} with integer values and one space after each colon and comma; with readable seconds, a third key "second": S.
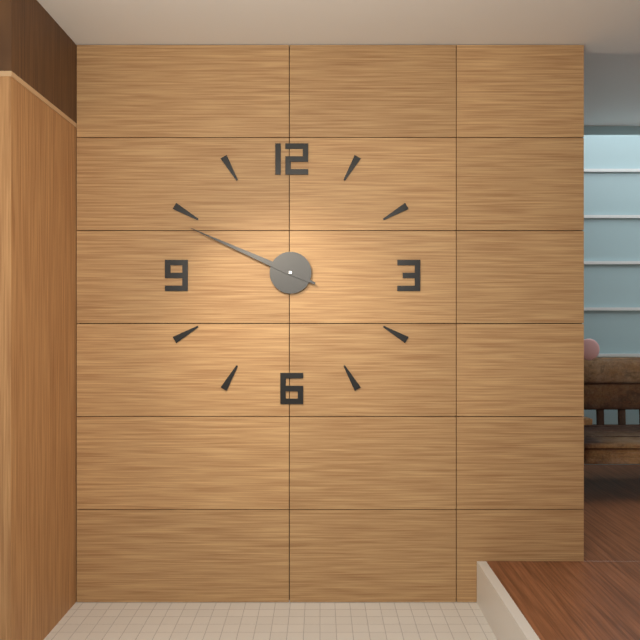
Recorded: {"hour": 9, "minute": 49}
